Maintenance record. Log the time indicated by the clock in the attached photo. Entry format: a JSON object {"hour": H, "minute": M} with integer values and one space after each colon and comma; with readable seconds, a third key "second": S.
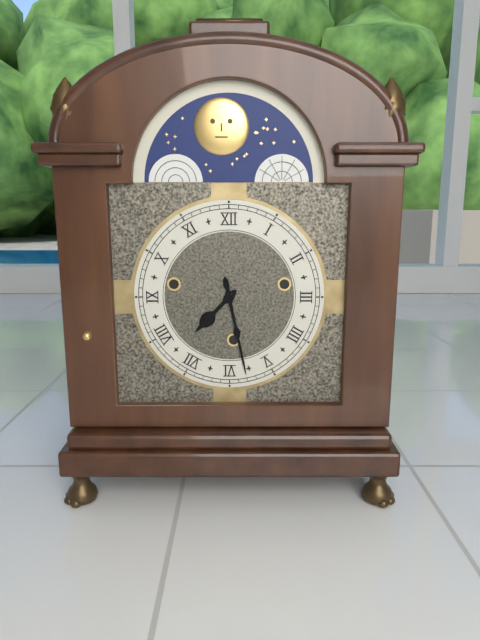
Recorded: {"hour": 7, "minute": 28}
